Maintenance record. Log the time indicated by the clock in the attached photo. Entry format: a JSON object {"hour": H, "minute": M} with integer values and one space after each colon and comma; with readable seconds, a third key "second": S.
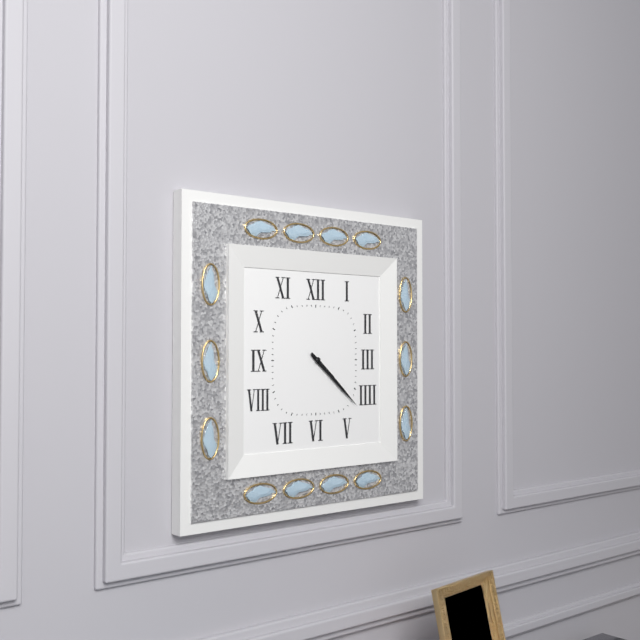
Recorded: {"hour": 4, "minute": 22}
